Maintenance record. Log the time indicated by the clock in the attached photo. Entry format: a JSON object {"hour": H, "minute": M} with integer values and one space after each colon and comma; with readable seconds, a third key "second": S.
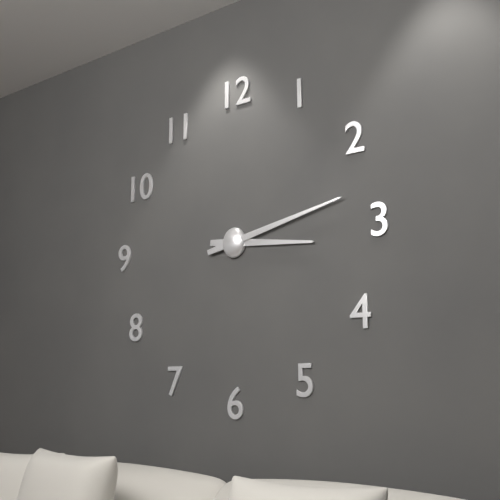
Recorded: {"hour": 3, "minute": 13}
